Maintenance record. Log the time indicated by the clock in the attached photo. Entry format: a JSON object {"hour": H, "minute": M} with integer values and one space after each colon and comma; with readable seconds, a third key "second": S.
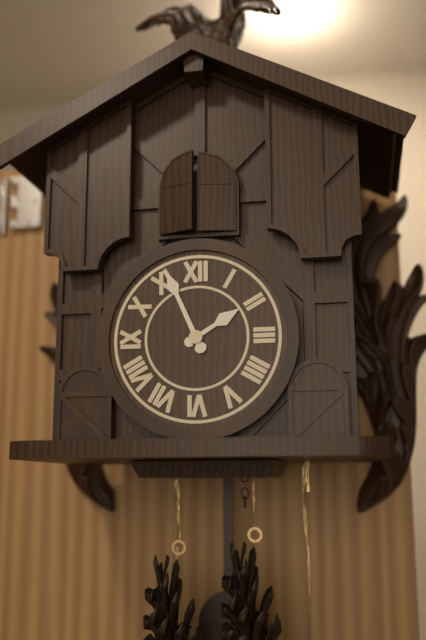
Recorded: {"hour": 1, "minute": 56}
